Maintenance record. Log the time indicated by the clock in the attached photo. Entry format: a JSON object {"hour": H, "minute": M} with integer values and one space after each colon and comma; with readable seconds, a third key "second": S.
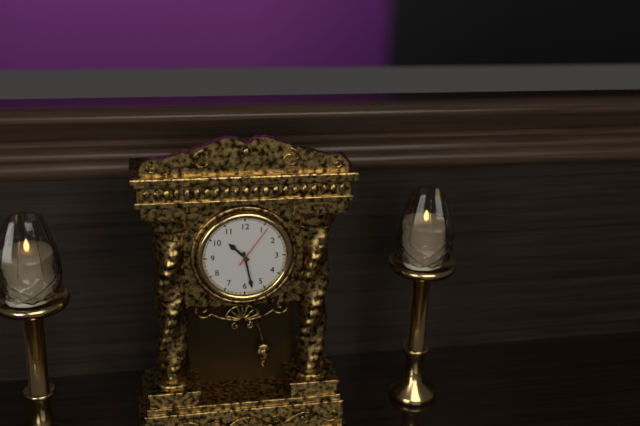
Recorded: {"hour": 10, "minute": 28}
